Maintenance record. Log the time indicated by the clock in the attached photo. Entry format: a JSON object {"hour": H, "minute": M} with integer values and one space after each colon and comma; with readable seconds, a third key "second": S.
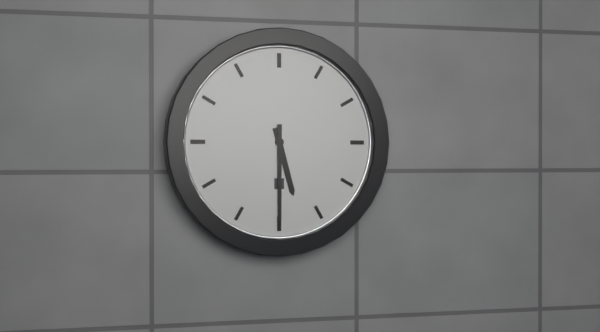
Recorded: {"hour": 5, "minute": 30}
